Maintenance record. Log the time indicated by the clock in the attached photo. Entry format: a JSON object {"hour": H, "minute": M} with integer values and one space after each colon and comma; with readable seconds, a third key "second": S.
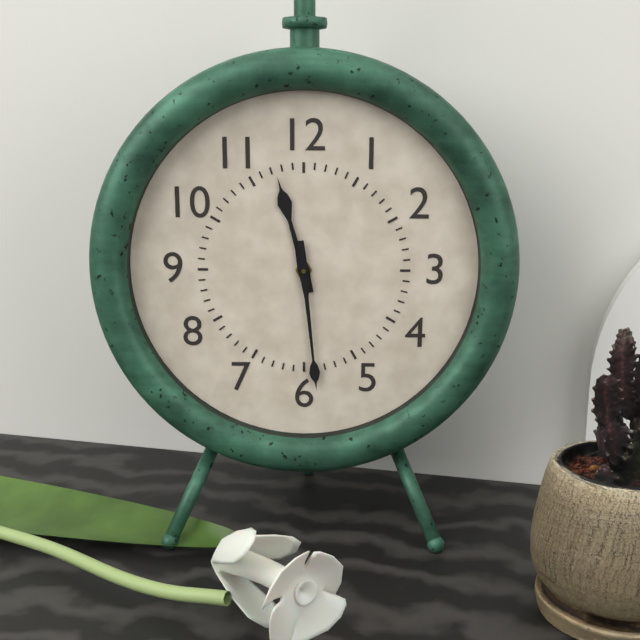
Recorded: {"hour": 11, "minute": 29}
